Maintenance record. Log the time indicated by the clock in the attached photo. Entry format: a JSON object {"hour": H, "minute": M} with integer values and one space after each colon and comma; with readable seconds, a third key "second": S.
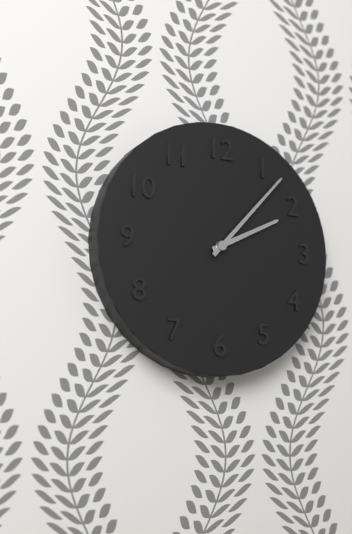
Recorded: {"hour": 2, "minute": 7}
